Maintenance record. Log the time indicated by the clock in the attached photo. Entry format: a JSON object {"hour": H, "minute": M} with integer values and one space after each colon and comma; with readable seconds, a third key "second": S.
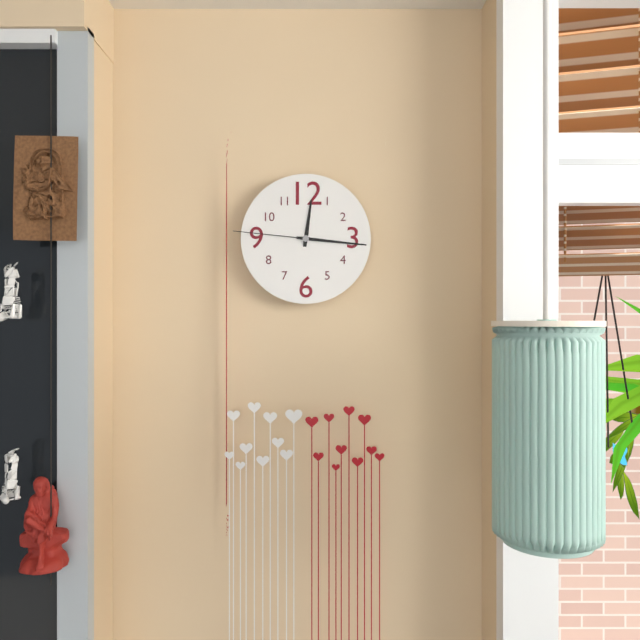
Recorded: {"hour": 12, "minute": 16, "second": 46}
